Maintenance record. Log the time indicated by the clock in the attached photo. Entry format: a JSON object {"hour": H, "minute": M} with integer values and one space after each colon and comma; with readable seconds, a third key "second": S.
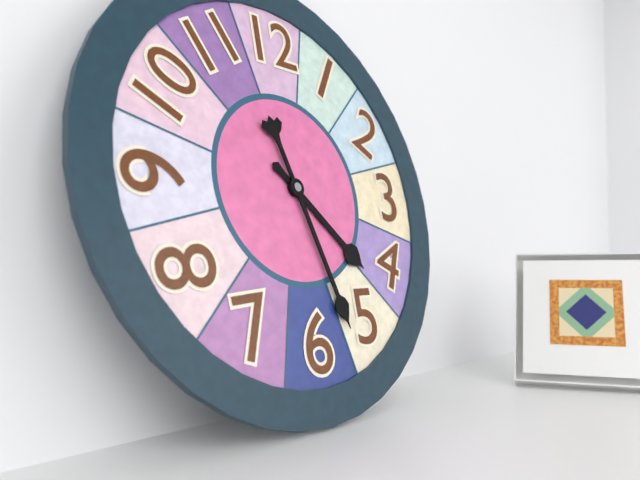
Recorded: {"hour": 4, "minute": 27}
